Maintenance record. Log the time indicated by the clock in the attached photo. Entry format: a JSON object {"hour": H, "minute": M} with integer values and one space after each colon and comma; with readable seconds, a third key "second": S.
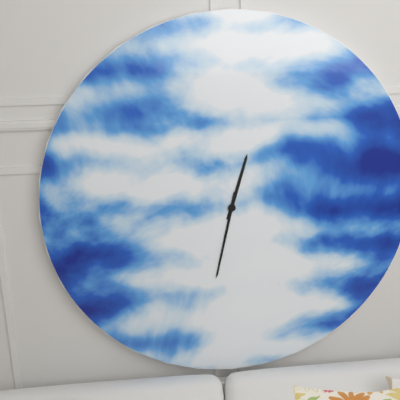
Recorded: {"hour": 12, "minute": 32}
